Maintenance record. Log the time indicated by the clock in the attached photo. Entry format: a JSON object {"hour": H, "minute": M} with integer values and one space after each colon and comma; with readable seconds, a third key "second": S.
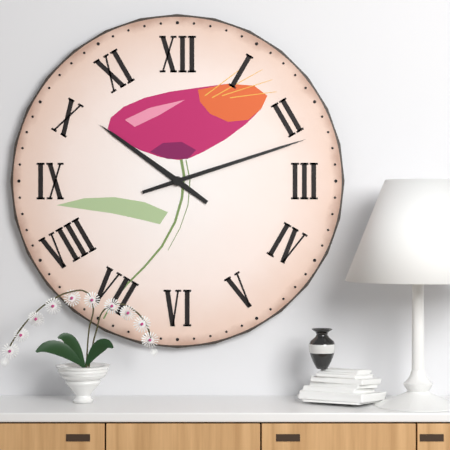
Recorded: {"hour": 10, "minute": 12}
